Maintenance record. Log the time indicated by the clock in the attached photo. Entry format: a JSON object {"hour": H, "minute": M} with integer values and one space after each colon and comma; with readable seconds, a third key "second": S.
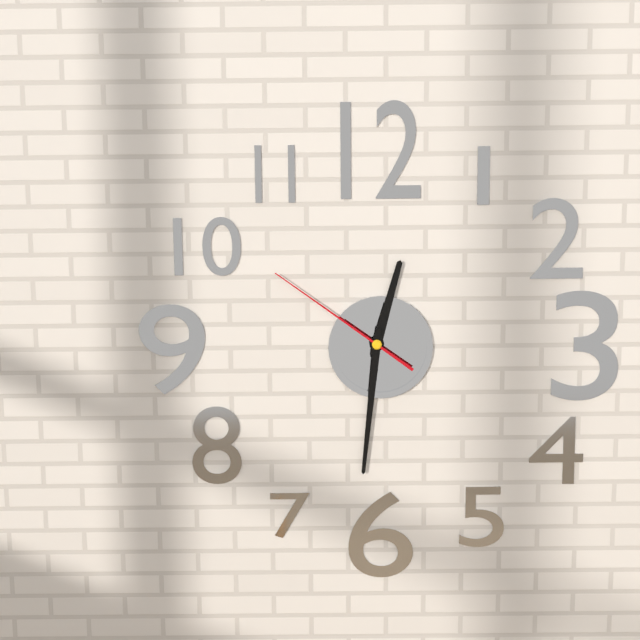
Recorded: {"hour": 12, "minute": 31, "second": 51}
